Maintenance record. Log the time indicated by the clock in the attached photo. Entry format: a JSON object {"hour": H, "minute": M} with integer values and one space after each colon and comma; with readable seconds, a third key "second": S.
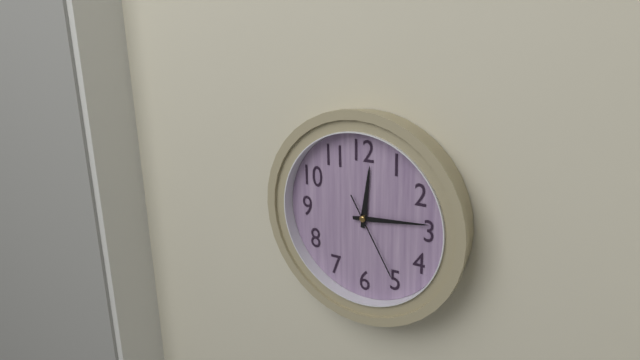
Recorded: {"hour": 12, "minute": 14, "second": 25}
